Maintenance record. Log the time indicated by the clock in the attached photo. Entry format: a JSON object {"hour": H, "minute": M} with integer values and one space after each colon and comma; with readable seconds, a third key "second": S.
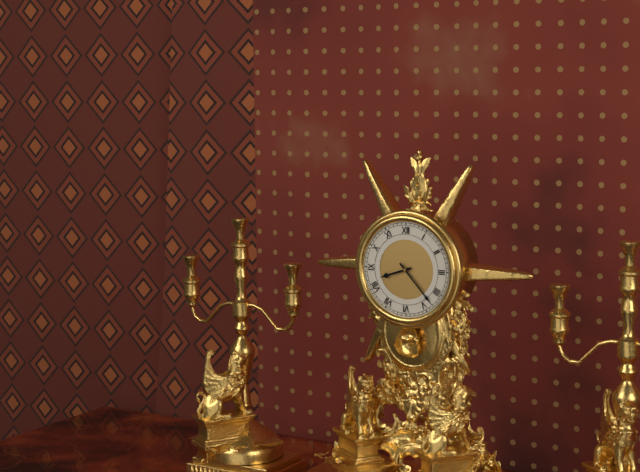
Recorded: {"hour": 8, "minute": 23}
